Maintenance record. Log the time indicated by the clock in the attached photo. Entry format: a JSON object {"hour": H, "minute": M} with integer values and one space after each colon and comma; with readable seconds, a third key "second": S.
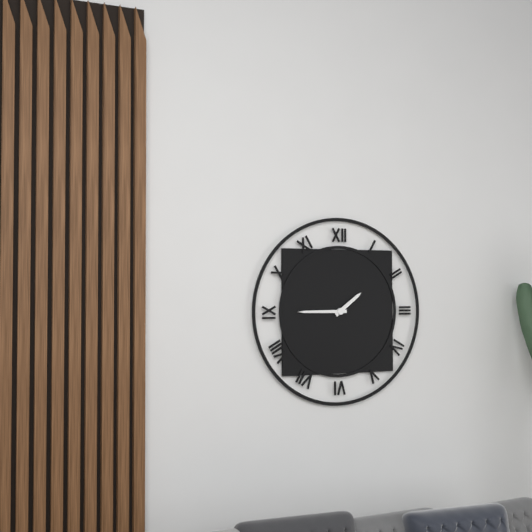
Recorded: {"hour": 1, "minute": 45}
